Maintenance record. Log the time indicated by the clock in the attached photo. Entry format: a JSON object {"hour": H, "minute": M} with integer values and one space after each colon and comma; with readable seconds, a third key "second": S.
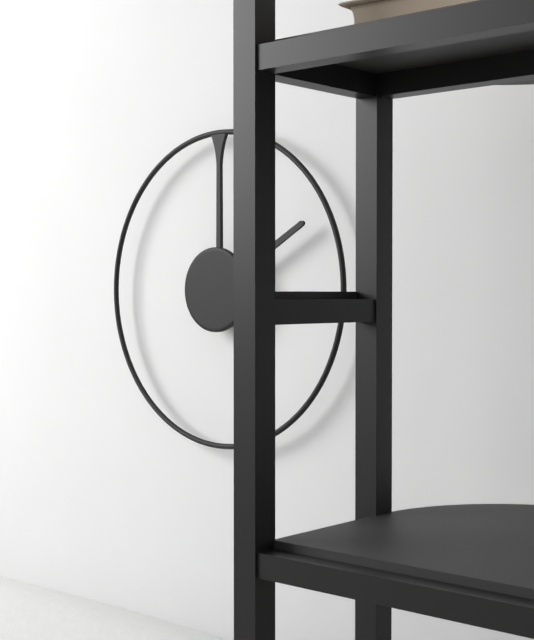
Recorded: {"hour": 2, "minute": 0}
